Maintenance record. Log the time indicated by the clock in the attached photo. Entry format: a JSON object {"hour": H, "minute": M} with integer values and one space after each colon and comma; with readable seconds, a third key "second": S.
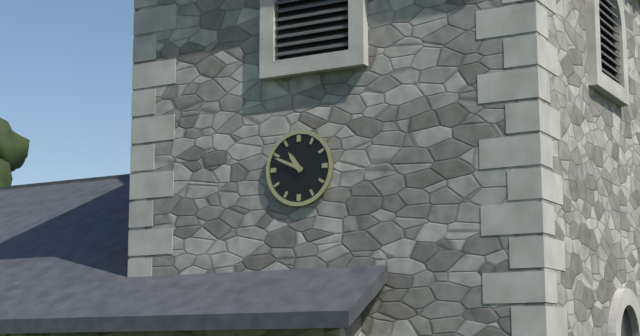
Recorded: {"hour": 10, "minute": 49}
